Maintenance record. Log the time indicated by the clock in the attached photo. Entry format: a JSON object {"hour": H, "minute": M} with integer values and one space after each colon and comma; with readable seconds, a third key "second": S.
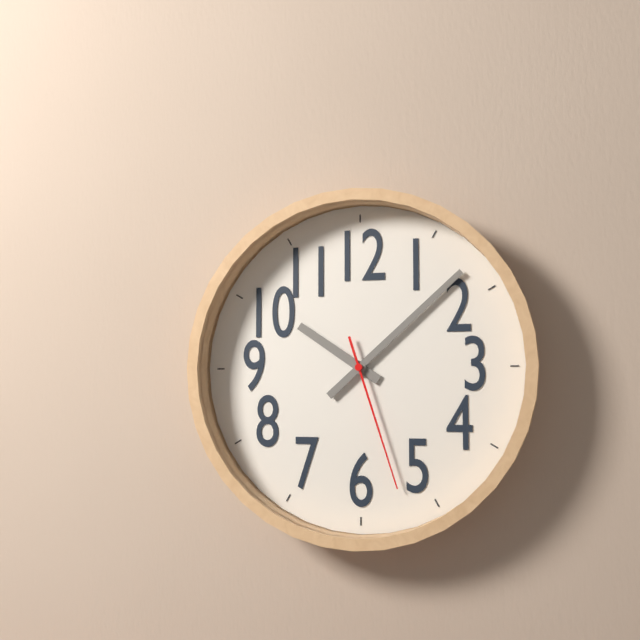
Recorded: {"hour": 10, "minute": 8, "second": 27}
